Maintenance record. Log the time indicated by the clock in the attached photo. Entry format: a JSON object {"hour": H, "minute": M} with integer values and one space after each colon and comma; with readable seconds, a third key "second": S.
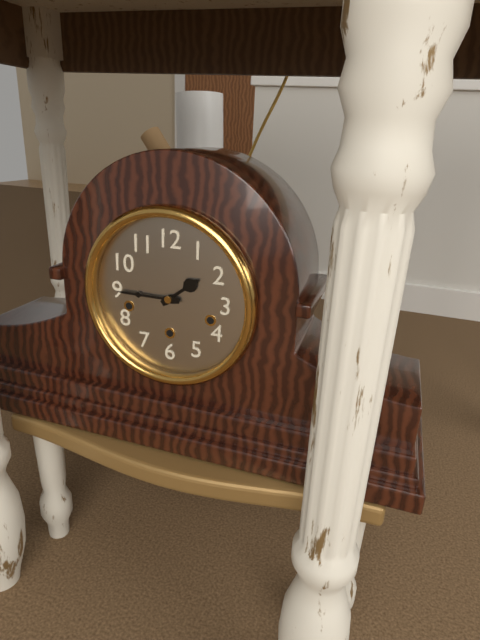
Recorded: {"hour": 1, "minute": 45}
